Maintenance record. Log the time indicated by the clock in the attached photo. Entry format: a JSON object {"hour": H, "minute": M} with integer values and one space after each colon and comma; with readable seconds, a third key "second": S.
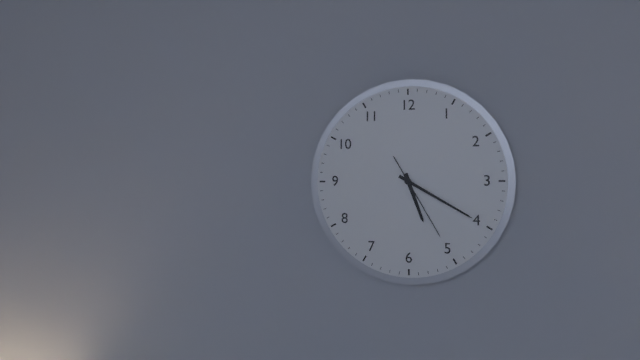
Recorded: {"hour": 5, "minute": 20, "second": 25}
